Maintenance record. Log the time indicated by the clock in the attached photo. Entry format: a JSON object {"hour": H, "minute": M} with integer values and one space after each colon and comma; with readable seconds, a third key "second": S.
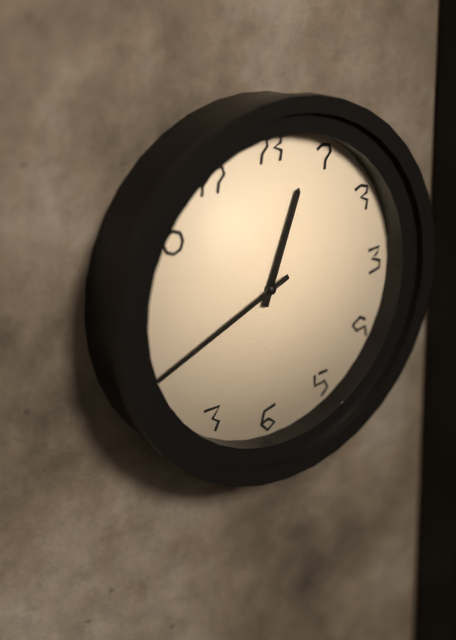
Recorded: {"hour": 12, "minute": 41}
